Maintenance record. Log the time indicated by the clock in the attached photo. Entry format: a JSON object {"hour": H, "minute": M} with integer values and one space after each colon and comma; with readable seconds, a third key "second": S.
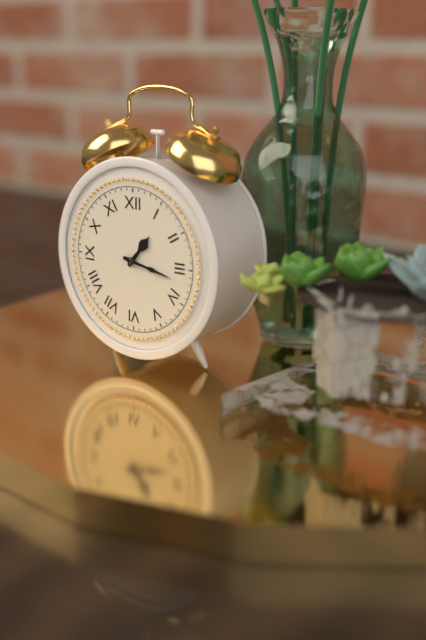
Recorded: {"hour": 1, "minute": 17}
